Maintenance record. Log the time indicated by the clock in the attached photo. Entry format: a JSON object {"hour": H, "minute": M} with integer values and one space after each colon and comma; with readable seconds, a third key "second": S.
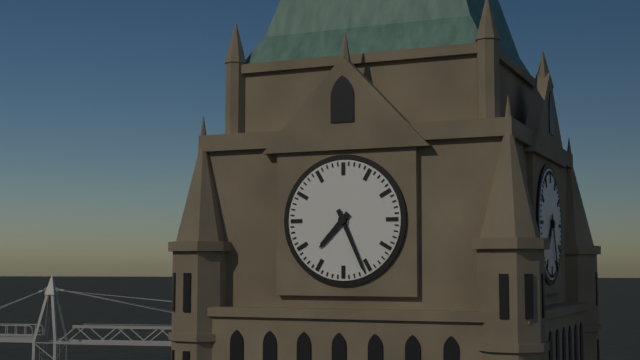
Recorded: {"hour": 7, "minute": 26}
